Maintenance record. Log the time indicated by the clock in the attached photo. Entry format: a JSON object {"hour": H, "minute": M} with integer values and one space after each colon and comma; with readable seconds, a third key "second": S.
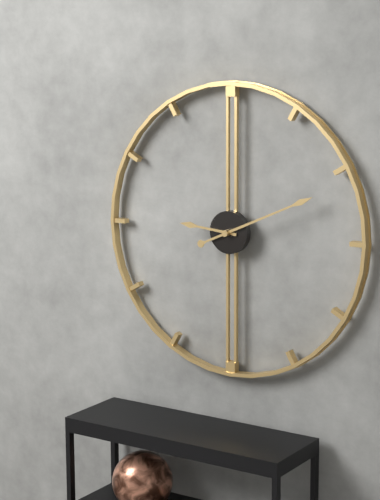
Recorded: {"hour": 9, "minute": 11}
